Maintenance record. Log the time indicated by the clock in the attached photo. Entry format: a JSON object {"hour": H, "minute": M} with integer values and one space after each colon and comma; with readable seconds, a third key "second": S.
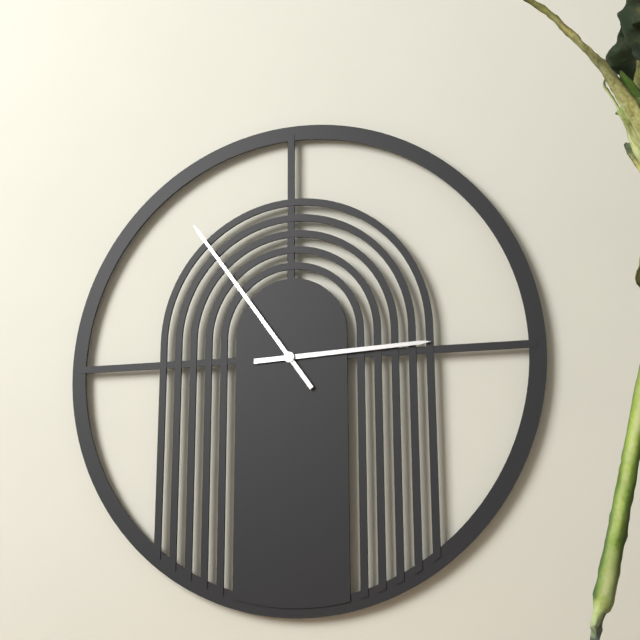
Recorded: {"hour": 2, "minute": 54}
